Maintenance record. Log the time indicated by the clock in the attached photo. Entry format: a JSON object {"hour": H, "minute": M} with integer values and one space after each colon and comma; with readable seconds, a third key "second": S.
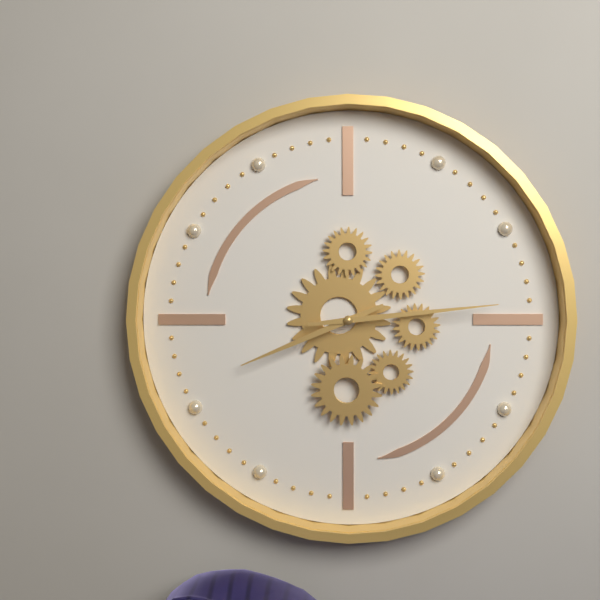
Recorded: {"hour": 8, "minute": 14}
